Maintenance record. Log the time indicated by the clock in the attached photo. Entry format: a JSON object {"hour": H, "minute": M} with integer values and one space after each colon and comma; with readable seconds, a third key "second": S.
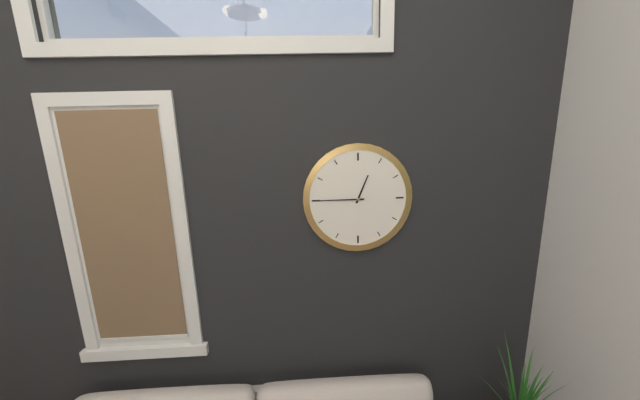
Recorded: {"hour": 12, "minute": 45}
